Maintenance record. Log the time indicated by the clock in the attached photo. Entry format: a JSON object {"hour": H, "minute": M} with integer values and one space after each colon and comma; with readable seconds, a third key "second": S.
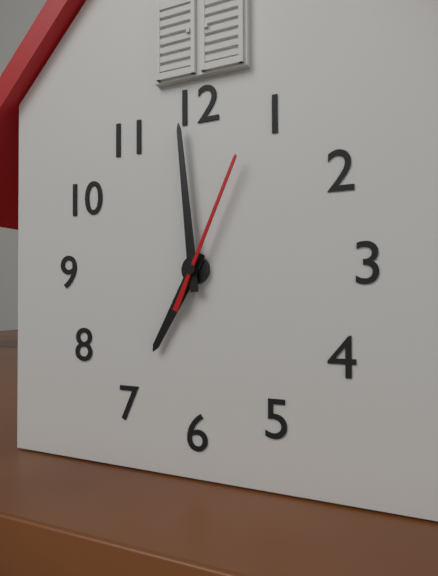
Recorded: {"hour": 6, "minute": 59, "second": 4}
